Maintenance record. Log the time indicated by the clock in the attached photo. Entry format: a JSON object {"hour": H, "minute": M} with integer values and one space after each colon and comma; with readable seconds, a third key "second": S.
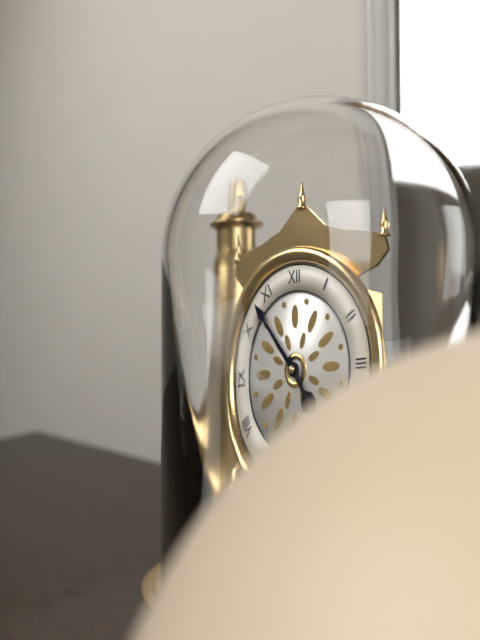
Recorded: {"hour": 4, "minute": 53}
